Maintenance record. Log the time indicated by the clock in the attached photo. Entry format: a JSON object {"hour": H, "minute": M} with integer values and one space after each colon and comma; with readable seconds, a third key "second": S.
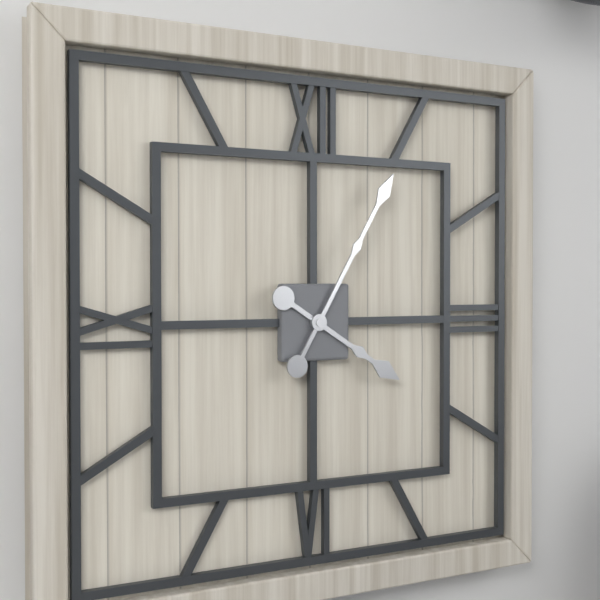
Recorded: {"hour": 4, "minute": 5}
